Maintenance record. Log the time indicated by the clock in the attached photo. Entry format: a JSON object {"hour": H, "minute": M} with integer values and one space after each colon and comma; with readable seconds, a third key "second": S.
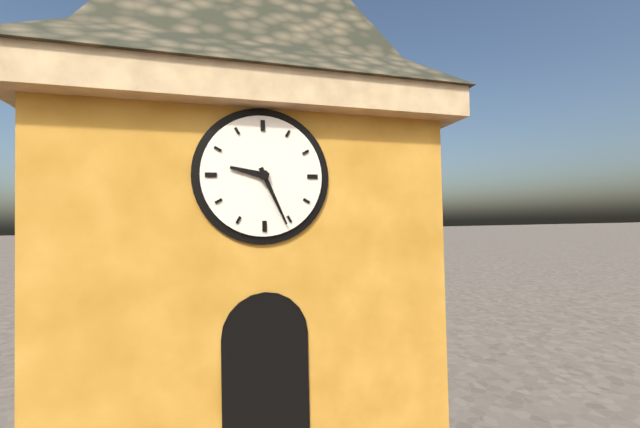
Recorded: {"hour": 9, "minute": 26}
